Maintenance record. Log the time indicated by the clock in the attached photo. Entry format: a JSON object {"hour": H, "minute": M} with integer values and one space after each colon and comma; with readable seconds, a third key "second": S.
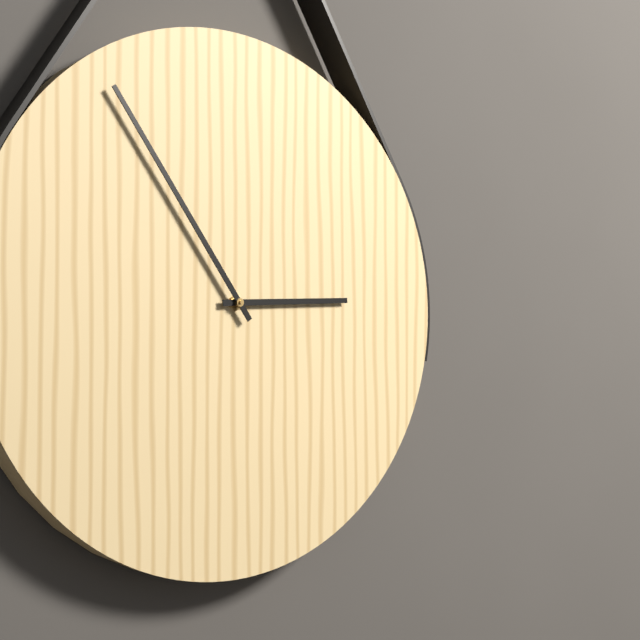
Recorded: {"hour": 2, "minute": 54}
